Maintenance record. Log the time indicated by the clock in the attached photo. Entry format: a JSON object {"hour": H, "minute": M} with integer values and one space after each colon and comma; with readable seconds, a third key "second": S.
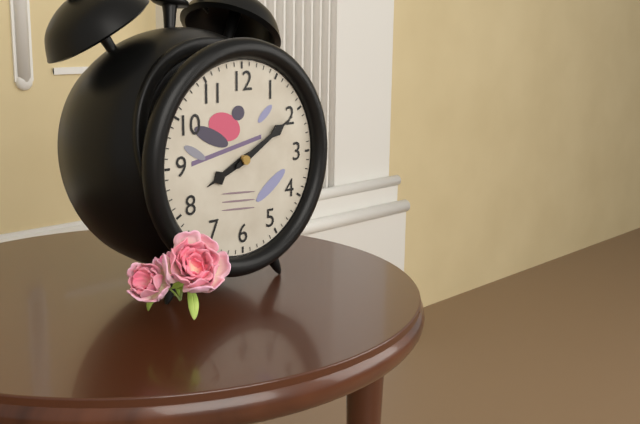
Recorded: {"hour": 8, "minute": 10}
